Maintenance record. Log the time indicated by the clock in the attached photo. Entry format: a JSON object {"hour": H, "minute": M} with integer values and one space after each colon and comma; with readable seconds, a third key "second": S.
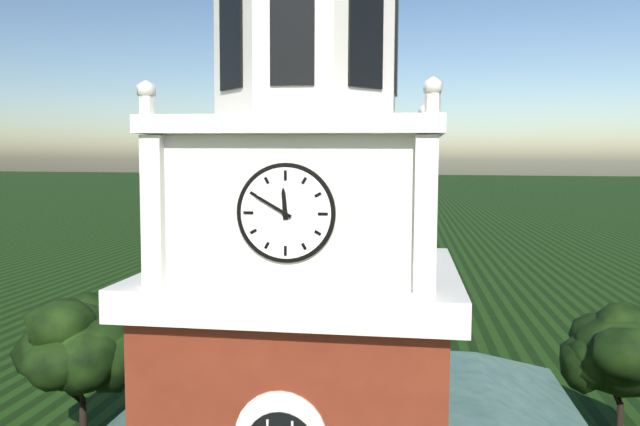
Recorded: {"hour": 11, "minute": 50}
